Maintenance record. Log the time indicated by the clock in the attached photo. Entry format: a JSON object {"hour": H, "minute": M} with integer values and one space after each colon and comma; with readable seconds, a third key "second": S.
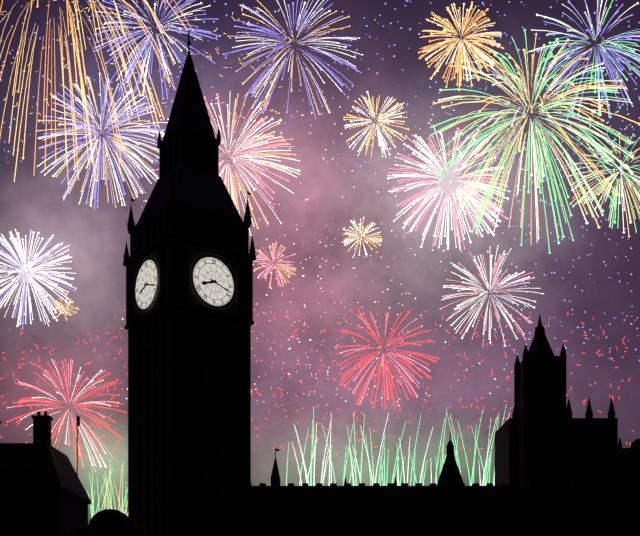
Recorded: {"hour": 8, "minute": 18}
